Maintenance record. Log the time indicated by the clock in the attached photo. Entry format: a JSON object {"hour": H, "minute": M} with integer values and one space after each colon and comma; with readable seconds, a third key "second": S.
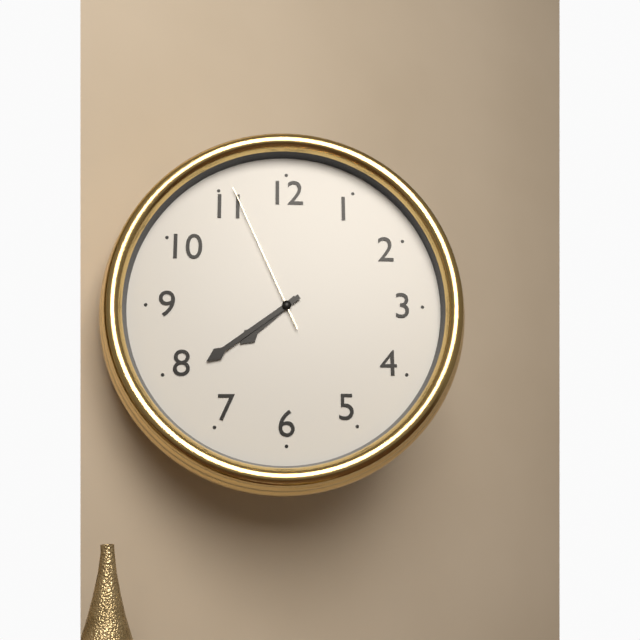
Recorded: {"hour": 7, "minute": 39, "second": 56}
